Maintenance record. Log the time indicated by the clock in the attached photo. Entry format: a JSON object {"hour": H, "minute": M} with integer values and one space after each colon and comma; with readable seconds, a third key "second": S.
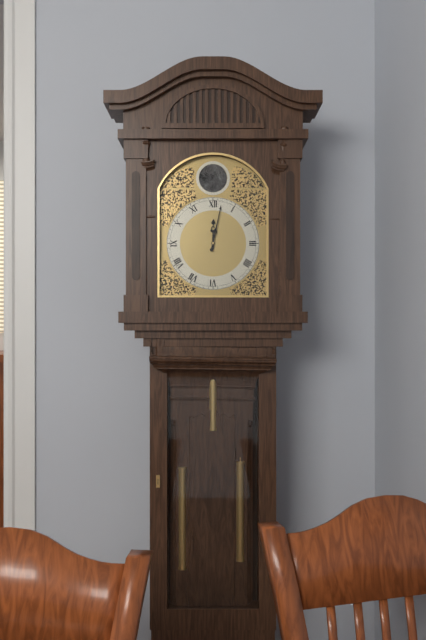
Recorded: {"hour": 12, "minute": 2}
